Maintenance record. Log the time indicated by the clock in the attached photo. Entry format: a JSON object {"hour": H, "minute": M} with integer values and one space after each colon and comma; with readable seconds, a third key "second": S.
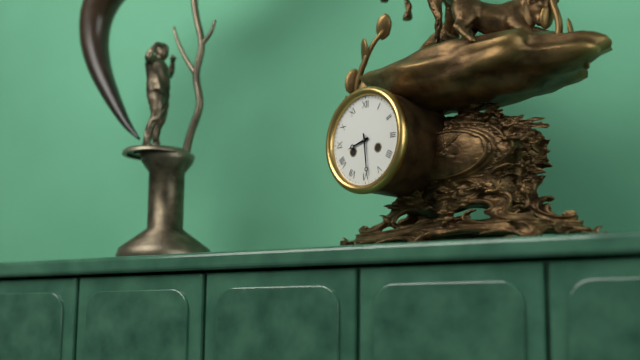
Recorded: {"hour": 8, "minute": 29}
